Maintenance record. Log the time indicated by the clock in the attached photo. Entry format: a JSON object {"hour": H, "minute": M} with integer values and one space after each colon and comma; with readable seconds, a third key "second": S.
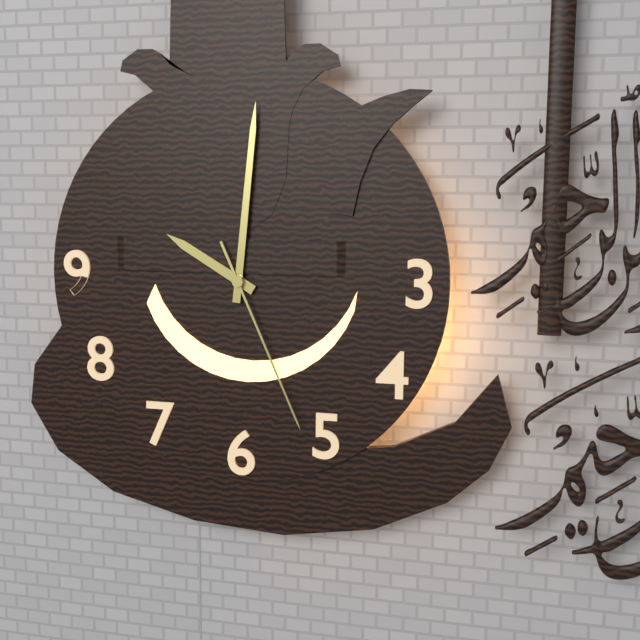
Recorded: {"hour": 10, "minute": 1, "second": 26}
